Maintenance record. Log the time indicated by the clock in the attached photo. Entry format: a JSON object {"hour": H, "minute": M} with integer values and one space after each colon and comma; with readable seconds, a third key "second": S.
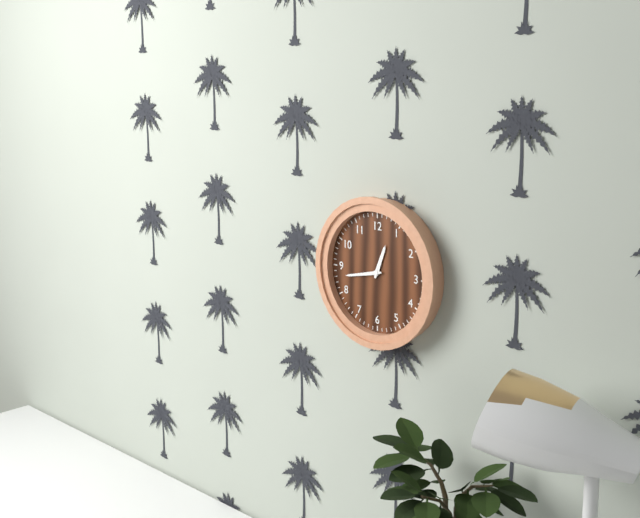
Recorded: {"hour": 12, "minute": 43}
